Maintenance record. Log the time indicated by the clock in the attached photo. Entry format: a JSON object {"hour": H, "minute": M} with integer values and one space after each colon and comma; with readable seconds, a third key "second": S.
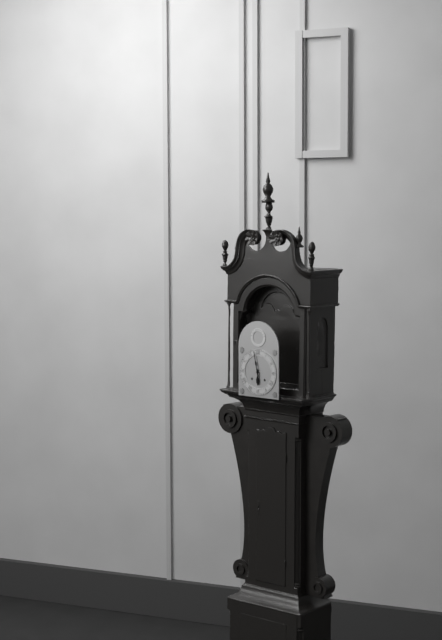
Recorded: {"hour": 5, "minute": 58}
